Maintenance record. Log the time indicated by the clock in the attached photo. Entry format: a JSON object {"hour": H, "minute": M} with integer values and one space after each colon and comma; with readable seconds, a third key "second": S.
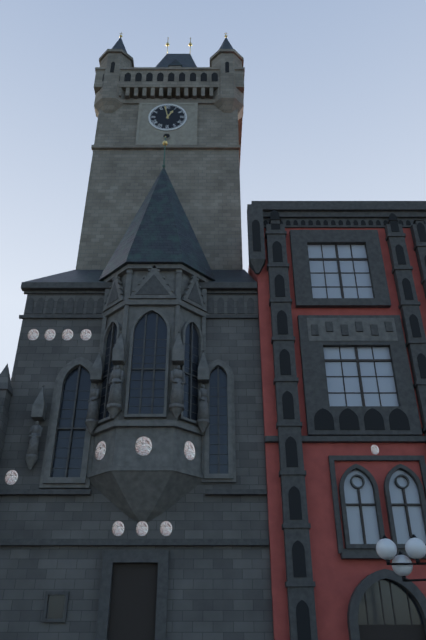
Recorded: {"hour": 12, "minute": 58}
